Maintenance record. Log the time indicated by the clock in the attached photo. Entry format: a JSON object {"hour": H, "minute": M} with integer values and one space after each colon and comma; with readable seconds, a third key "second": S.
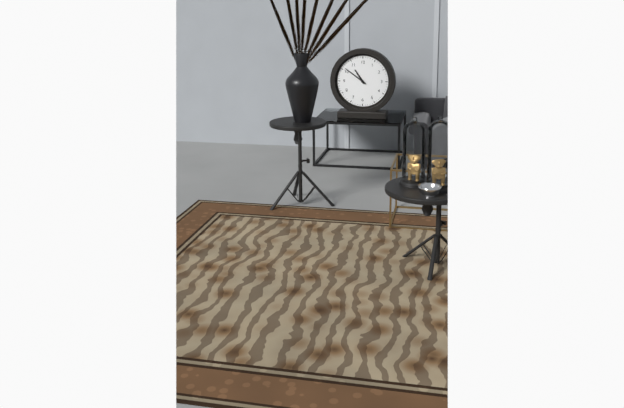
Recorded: {"hour": 10, "minute": 51}
